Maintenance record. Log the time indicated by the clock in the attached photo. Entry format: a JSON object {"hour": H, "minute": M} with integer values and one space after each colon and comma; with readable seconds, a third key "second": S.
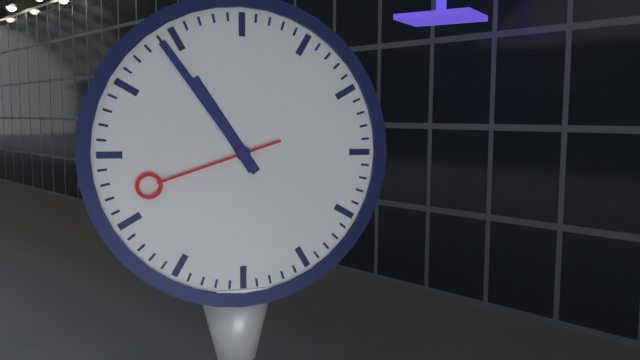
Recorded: {"hour": 10, "minute": 54, "second": 42}
